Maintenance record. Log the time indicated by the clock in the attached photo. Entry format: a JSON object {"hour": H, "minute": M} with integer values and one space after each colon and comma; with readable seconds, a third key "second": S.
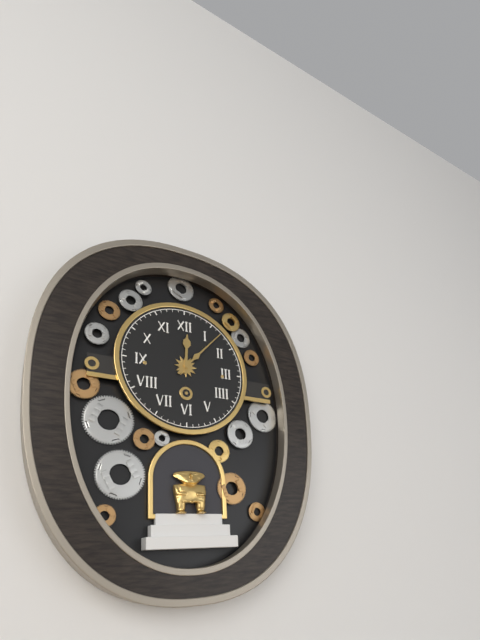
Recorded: {"hour": 12, "minute": 7}
